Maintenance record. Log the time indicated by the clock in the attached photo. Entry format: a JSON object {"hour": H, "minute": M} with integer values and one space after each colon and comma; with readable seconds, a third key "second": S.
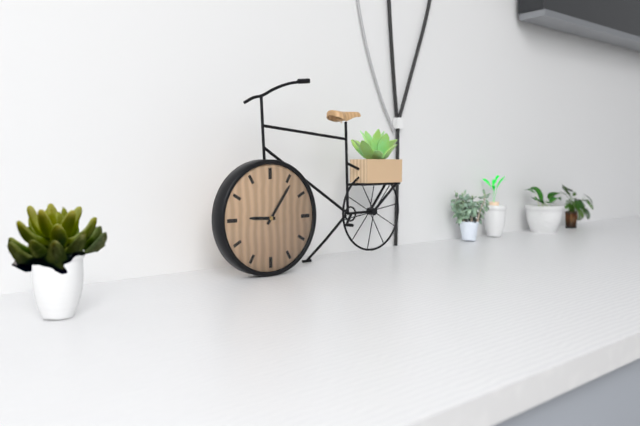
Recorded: {"hour": 9, "minute": 6}
